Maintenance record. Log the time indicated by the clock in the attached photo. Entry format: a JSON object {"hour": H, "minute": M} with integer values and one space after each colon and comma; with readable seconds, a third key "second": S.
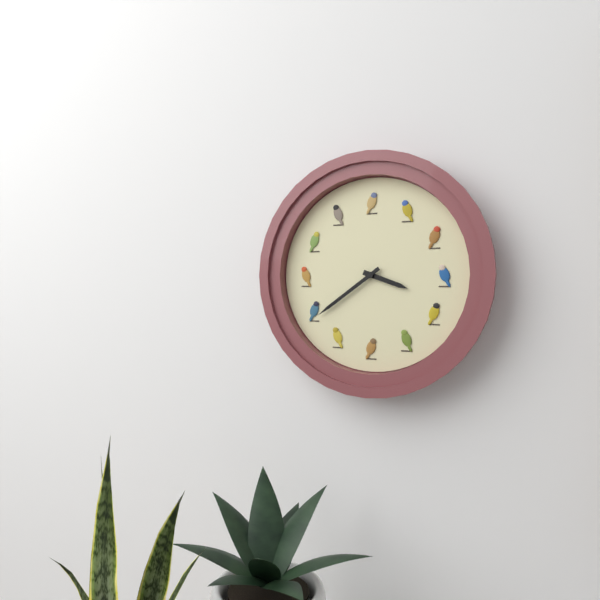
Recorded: {"hour": 3, "minute": 39}
